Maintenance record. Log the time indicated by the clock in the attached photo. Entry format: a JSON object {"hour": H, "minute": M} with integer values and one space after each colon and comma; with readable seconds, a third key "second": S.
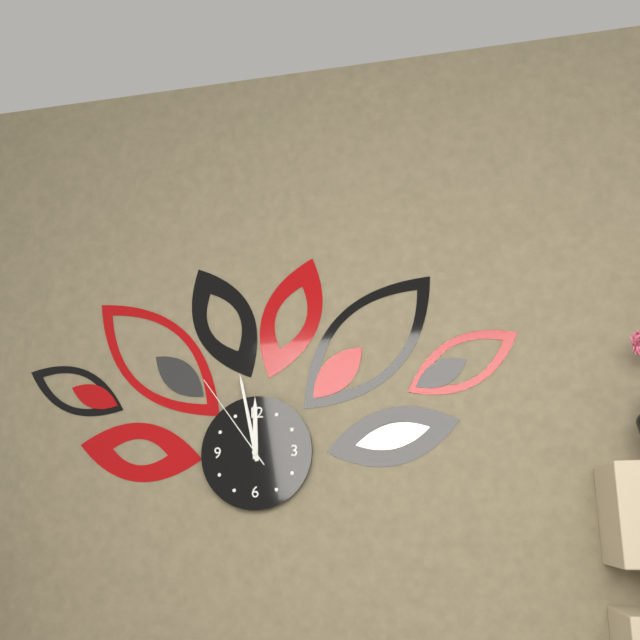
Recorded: {"hour": 11, "minute": 58, "second": 54}
